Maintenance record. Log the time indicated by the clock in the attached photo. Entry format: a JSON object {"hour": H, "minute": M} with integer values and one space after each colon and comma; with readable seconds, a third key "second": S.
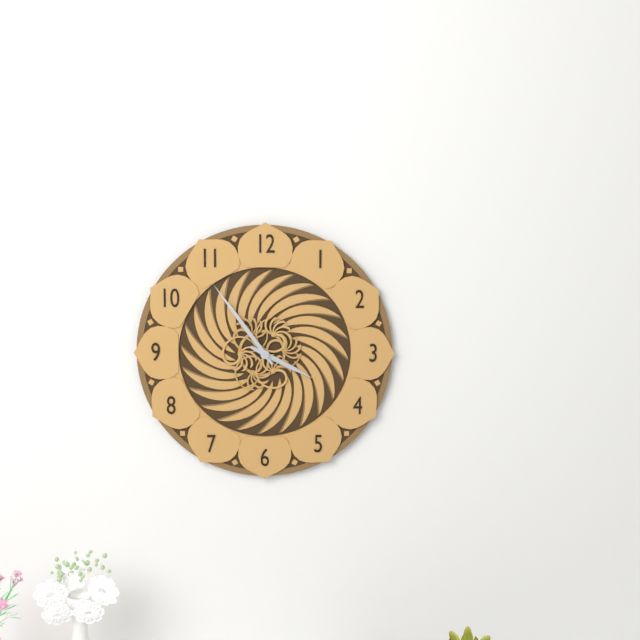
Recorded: {"hour": 3, "minute": 54}
